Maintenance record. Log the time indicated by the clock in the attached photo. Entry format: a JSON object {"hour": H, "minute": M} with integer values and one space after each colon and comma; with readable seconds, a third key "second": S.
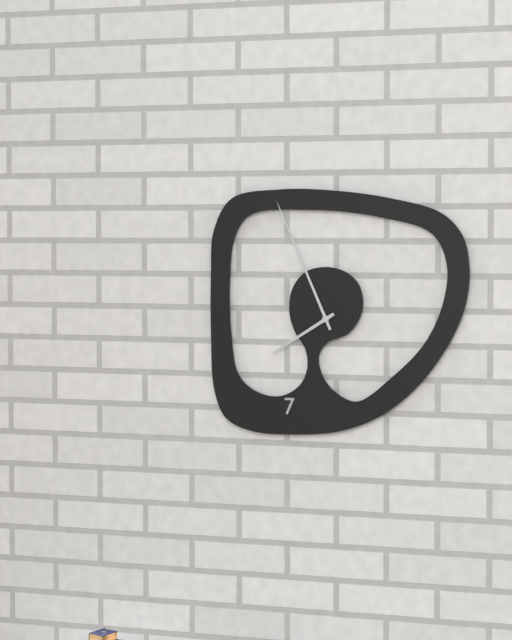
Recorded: {"hour": 7, "minute": 56}
